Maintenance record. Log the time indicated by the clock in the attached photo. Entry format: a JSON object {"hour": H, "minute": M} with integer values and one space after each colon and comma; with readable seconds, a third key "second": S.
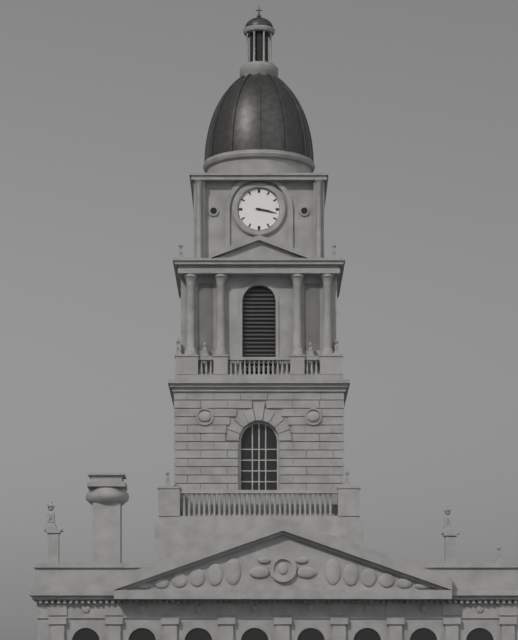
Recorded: {"hour": 3, "minute": 17}
